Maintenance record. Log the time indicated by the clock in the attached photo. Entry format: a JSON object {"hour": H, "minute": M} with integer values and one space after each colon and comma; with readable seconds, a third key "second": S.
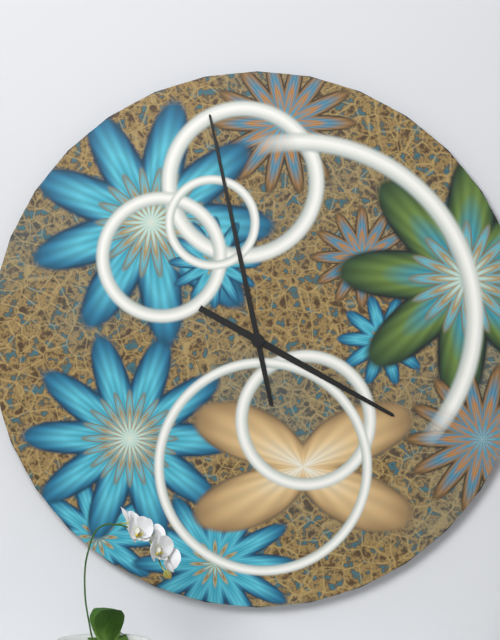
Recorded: {"hour": 3, "minute": 58}
